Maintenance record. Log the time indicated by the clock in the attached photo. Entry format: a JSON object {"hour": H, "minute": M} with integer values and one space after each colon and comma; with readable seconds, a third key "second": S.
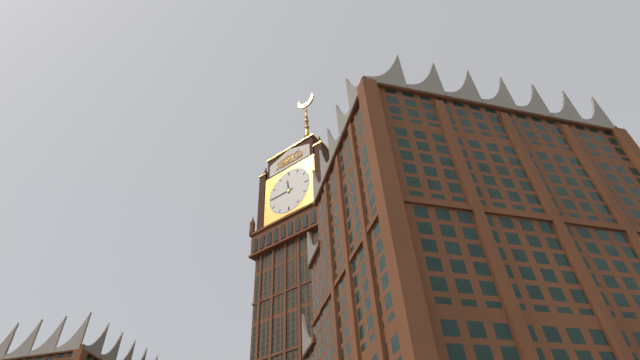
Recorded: {"hour": 11, "minute": 45}
